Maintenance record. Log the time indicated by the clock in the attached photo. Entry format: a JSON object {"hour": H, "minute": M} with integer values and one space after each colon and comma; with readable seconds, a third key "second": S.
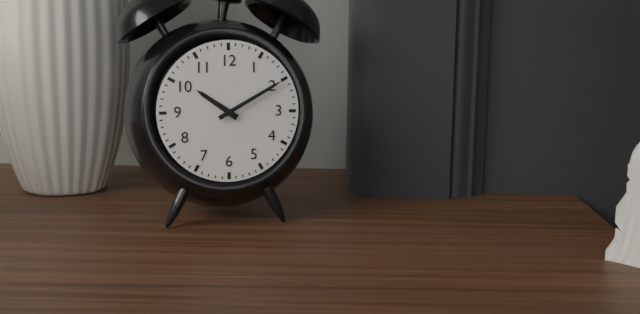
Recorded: {"hour": 10, "minute": 10}
